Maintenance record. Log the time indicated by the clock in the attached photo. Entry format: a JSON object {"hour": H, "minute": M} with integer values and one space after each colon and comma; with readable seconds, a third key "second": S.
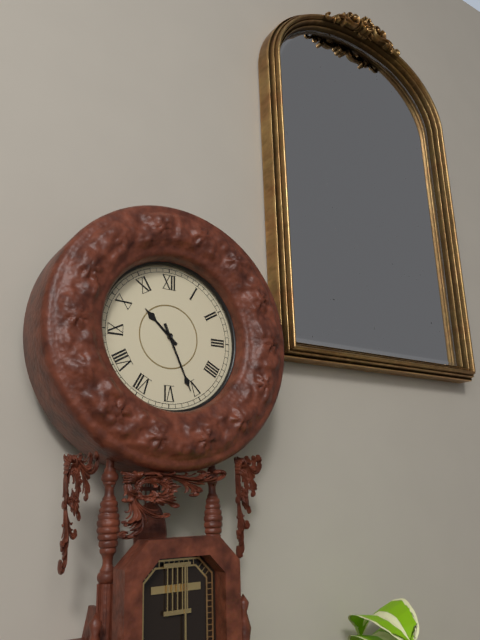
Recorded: {"hour": 10, "minute": 26}
